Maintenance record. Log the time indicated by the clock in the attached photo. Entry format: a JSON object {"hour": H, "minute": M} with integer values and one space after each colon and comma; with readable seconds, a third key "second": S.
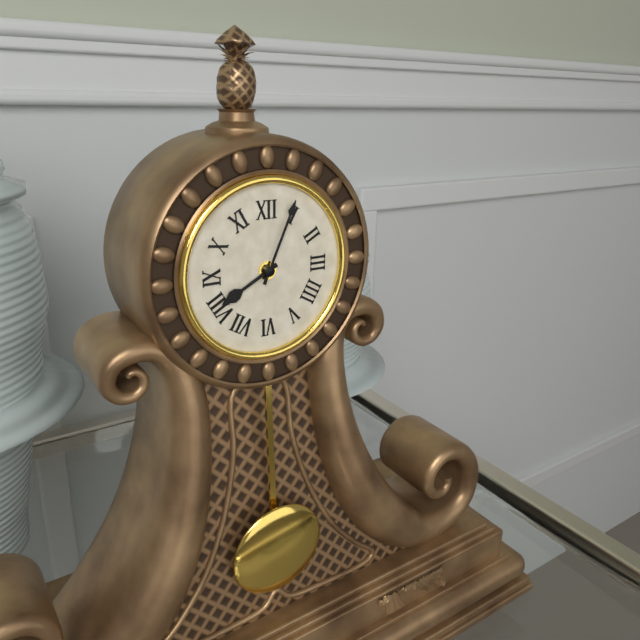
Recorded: {"hour": 8, "minute": 4}
